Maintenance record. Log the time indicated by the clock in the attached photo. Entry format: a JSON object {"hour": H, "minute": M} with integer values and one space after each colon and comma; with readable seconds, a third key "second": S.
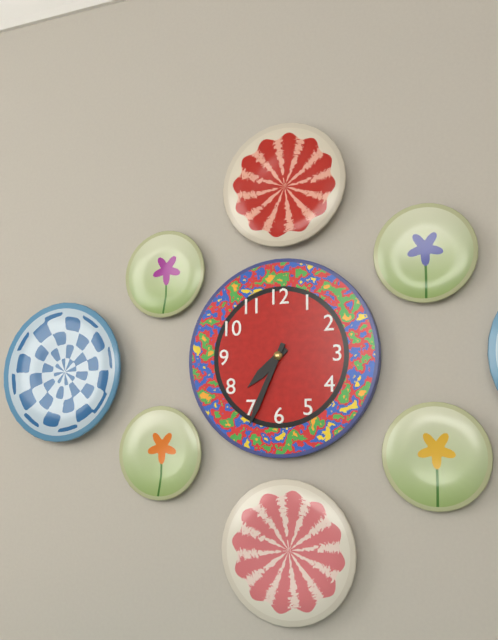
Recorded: {"hour": 7, "minute": 34}
